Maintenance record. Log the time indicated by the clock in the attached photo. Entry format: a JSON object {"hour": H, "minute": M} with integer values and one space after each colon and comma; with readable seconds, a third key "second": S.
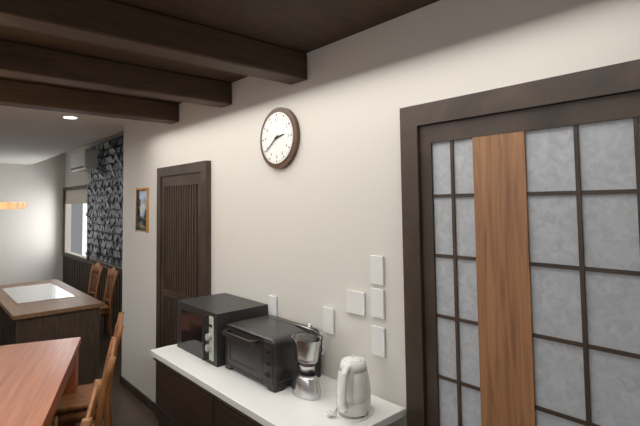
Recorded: {"hour": 2, "minute": 39}
